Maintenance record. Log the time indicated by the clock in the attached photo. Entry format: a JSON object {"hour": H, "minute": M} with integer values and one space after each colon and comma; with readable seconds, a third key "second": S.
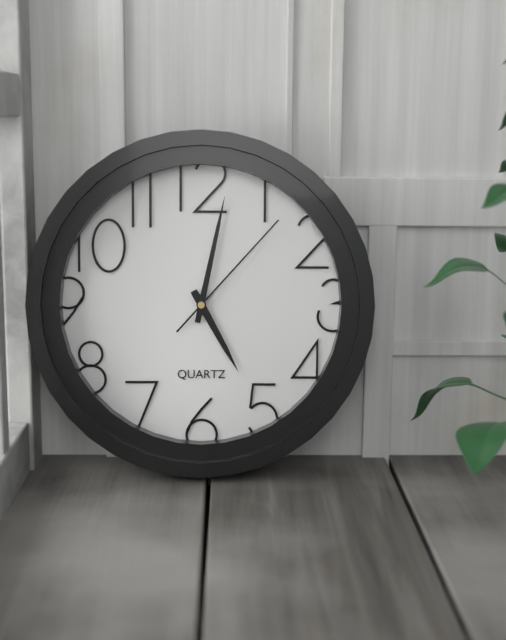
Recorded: {"hour": 5, "minute": 2, "second": 7}
